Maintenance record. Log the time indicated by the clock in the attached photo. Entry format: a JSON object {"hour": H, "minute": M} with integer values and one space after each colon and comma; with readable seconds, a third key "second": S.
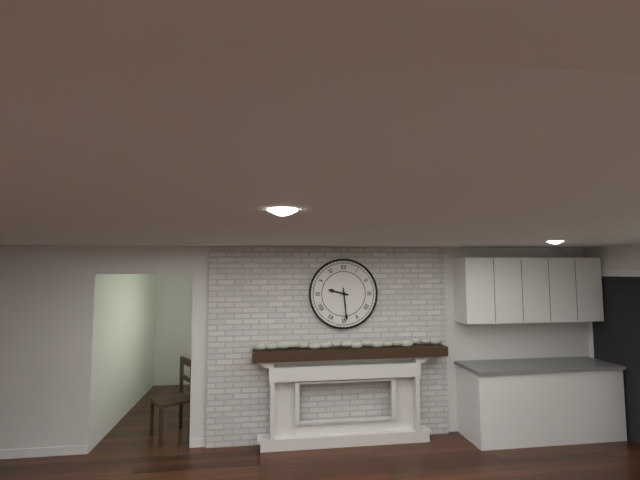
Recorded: {"hour": 9, "minute": 29}
